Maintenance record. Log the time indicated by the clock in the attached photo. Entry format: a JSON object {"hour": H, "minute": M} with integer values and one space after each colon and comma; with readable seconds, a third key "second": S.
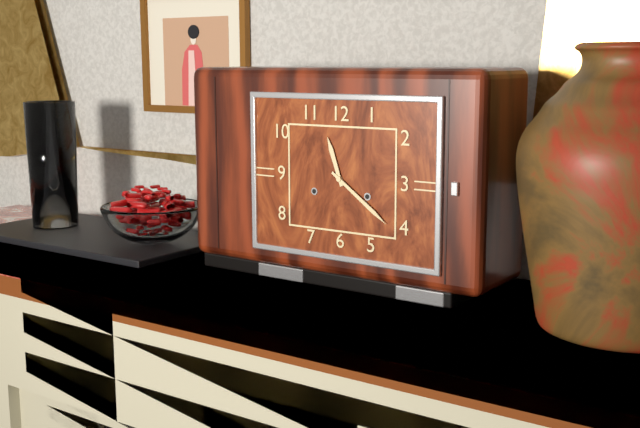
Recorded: {"hour": 11, "minute": 21}
